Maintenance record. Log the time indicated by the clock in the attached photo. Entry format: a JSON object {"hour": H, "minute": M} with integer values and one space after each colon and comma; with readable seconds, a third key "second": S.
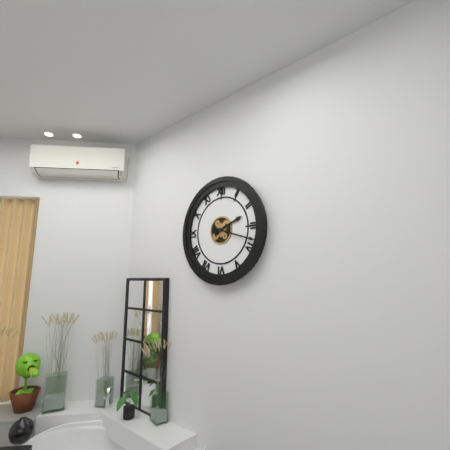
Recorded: {"hour": 2, "minute": 18}
